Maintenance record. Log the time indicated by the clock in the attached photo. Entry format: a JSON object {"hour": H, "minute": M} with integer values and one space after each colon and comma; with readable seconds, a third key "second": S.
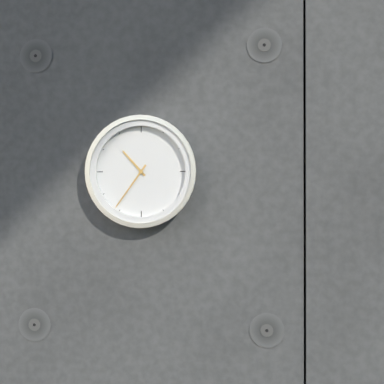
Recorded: {"hour": 10, "minute": 36}
